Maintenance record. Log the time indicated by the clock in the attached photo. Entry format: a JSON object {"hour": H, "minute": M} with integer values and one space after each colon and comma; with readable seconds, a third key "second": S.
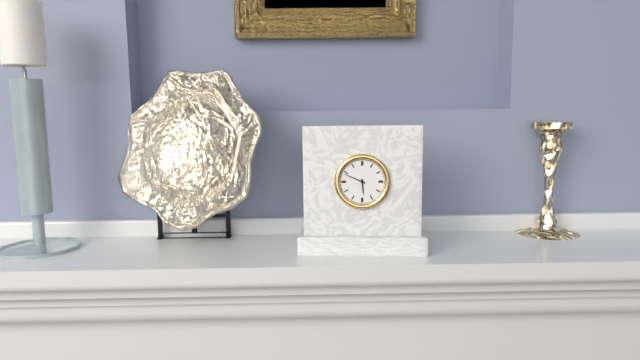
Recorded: {"hour": 5, "minute": 49}
